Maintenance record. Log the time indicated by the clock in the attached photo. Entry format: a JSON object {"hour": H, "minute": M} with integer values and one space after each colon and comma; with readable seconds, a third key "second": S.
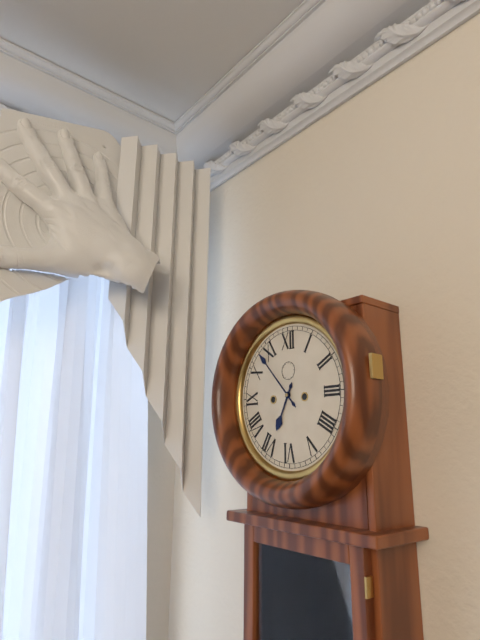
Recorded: {"hour": 6, "minute": 53}
